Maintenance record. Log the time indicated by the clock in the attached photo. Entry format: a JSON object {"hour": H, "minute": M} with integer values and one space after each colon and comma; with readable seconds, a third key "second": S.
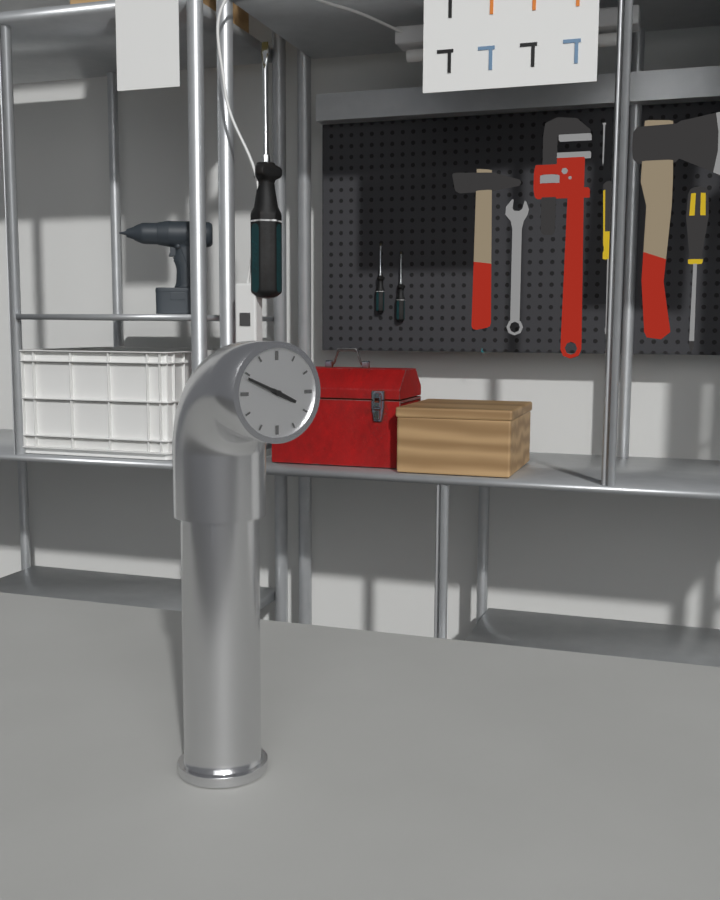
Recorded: {"hour": 3, "minute": 49}
